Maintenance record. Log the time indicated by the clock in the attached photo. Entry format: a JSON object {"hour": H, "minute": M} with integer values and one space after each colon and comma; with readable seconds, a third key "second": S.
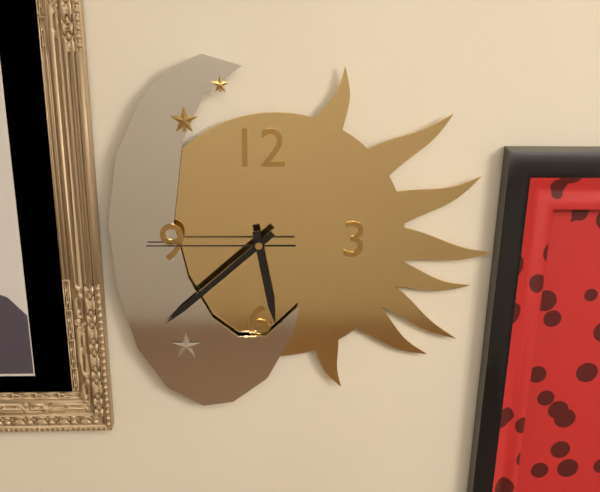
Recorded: {"hour": 5, "minute": 38, "second": 45}
